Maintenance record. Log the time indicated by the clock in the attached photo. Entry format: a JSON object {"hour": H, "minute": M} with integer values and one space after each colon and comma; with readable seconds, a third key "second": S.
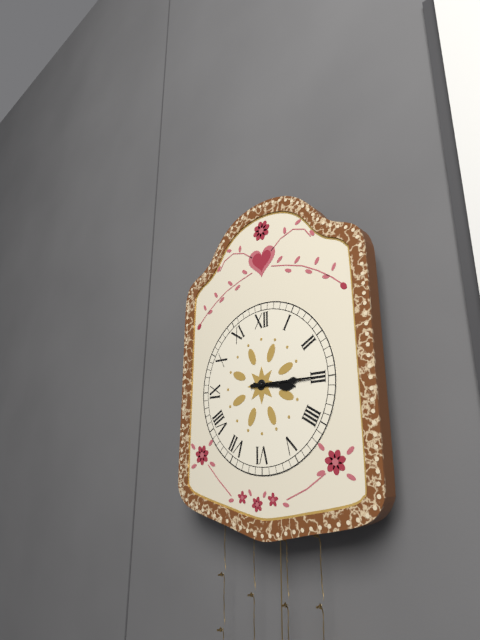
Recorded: {"hour": 3, "minute": 15}
